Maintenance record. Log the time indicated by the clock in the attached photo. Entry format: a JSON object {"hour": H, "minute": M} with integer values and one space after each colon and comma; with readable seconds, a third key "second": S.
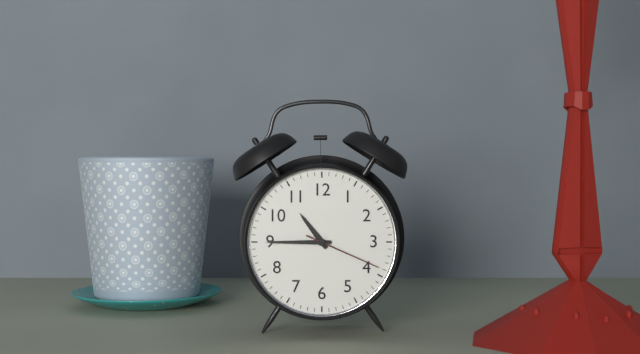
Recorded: {"hour": 10, "minute": 45, "second": 19}
